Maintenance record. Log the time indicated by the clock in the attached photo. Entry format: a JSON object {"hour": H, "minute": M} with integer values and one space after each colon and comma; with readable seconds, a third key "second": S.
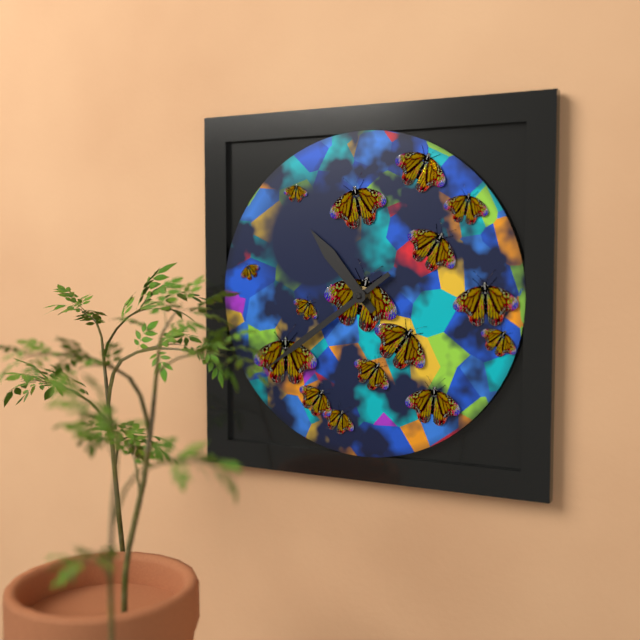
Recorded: {"hour": 10, "minute": 39}
